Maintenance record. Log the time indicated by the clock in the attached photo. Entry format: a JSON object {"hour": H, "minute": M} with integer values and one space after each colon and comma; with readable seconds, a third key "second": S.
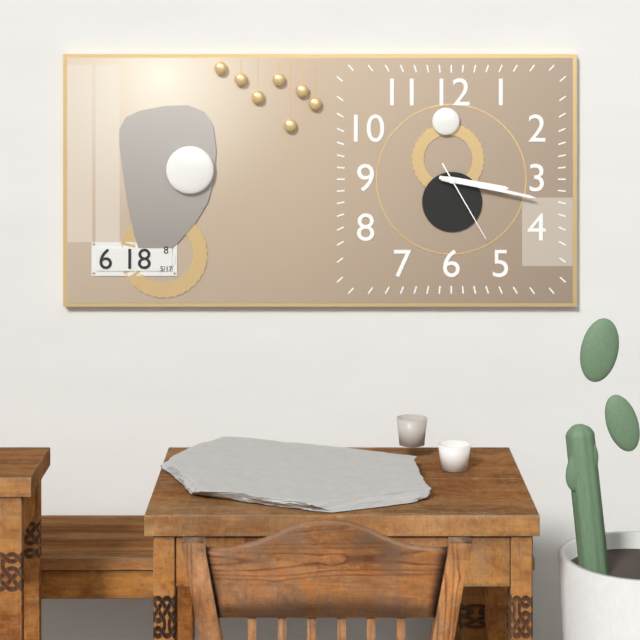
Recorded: {"hour": 3, "minute": 17, "second": 25}
